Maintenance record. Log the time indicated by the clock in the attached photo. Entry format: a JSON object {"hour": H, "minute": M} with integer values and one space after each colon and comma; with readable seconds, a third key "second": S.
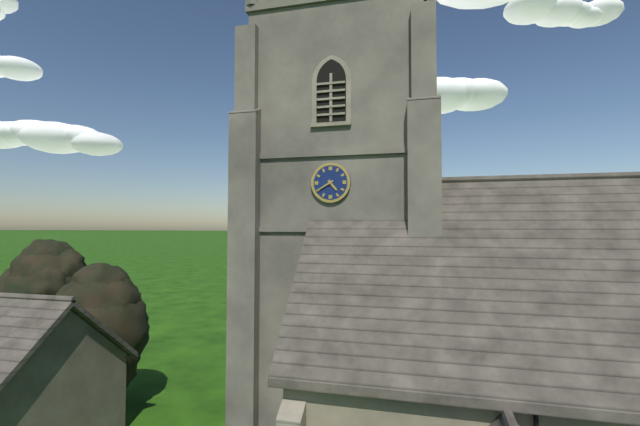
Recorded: {"hour": 4, "minute": 40}
